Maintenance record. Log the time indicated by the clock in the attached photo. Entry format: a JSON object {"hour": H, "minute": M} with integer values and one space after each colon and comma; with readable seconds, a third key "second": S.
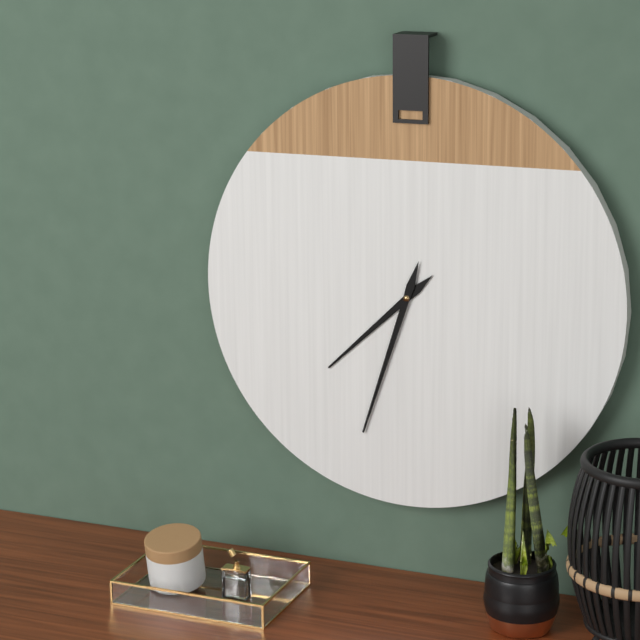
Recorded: {"hour": 7, "minute": 33}
